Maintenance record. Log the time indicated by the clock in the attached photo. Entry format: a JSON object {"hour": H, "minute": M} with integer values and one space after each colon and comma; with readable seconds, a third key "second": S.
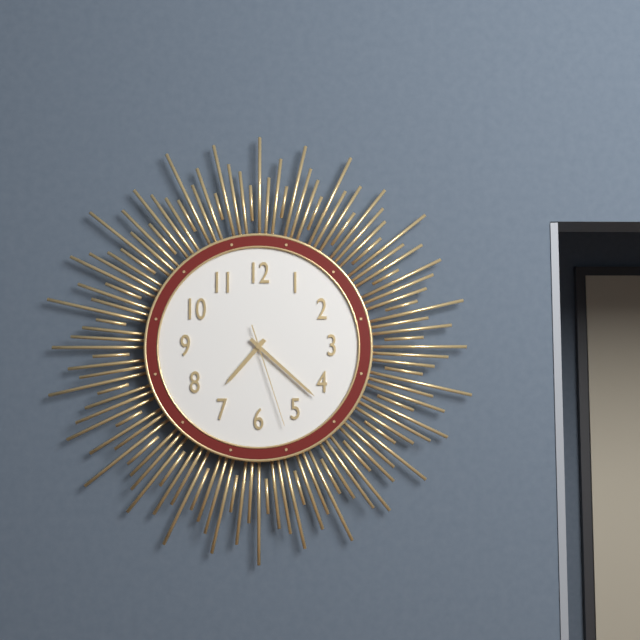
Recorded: {"hour": 7, "minute": 22, "second": 27}
